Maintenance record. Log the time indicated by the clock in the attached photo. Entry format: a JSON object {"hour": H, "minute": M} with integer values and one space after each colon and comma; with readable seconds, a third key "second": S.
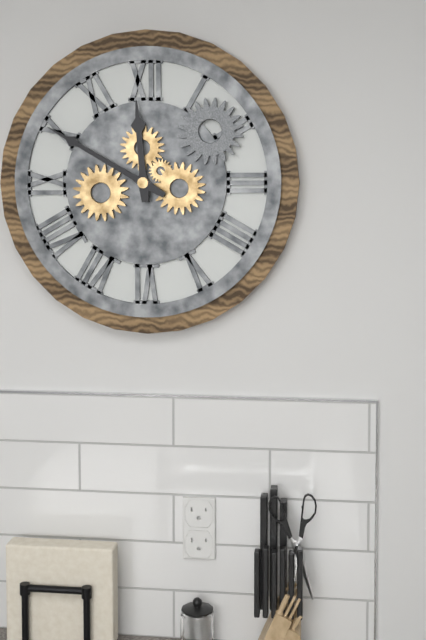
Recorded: {"hour": 11, "minute": 50}
